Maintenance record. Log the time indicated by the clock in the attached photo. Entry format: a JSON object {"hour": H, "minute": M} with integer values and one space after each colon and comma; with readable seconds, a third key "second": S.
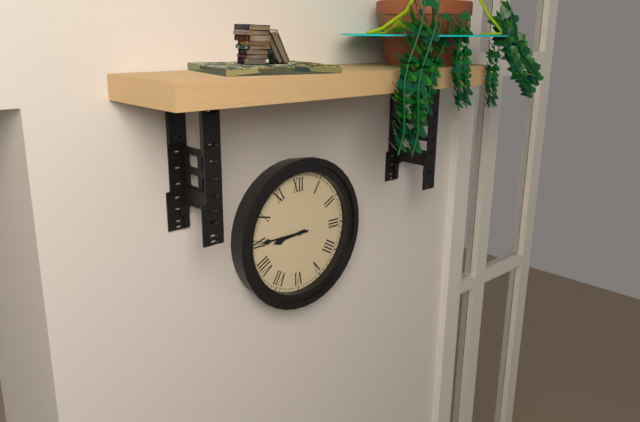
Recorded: {"hour": 8, "minute": 45}
